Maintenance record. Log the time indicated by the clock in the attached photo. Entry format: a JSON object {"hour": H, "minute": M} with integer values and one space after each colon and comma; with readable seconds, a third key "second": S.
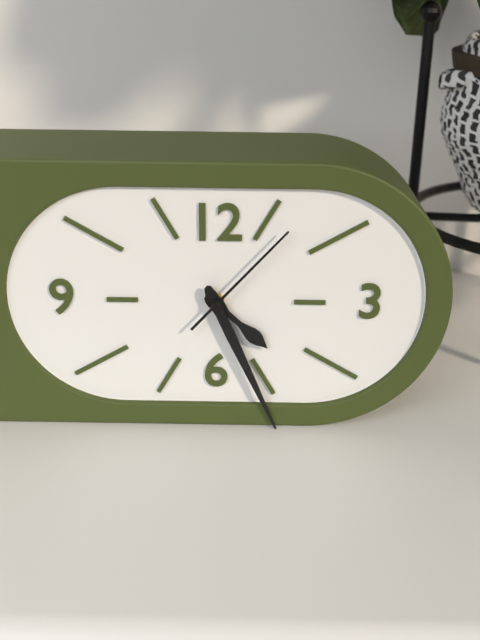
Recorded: {"hour": 4, "minute": 26, "second": 7}
